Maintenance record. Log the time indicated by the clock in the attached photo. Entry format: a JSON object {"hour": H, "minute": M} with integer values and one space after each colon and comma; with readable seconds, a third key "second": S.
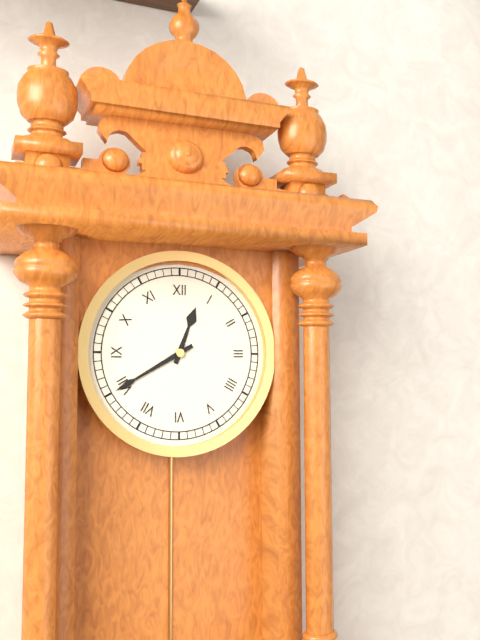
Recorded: {"hour": 12, "minute": 40}
